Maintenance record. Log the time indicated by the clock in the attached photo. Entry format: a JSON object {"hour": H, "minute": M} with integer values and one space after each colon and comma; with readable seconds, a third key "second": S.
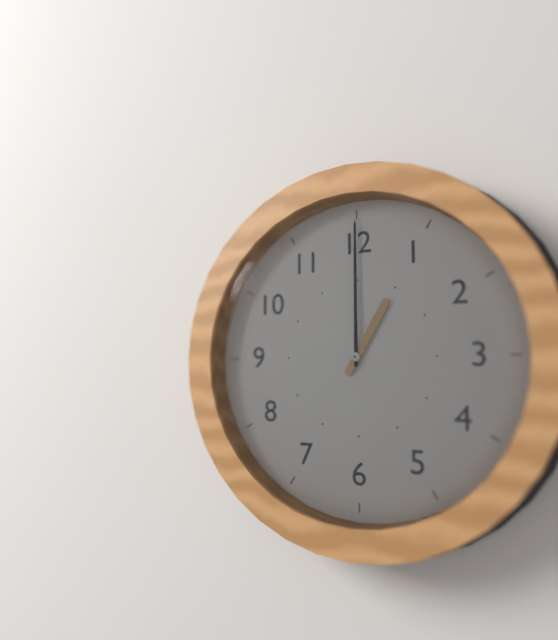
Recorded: {"hour": 1, "minute": 0}
